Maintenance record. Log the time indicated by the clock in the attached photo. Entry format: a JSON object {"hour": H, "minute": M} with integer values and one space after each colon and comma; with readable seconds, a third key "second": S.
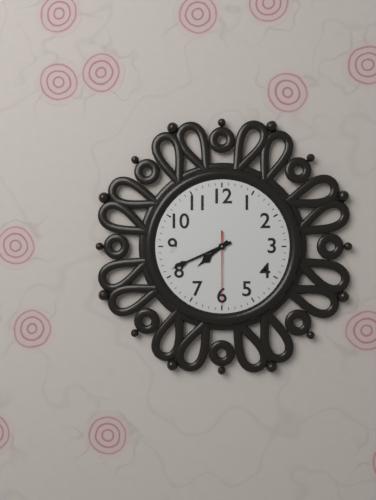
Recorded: {"hour": 7, "minute": 41, "second": 30}
